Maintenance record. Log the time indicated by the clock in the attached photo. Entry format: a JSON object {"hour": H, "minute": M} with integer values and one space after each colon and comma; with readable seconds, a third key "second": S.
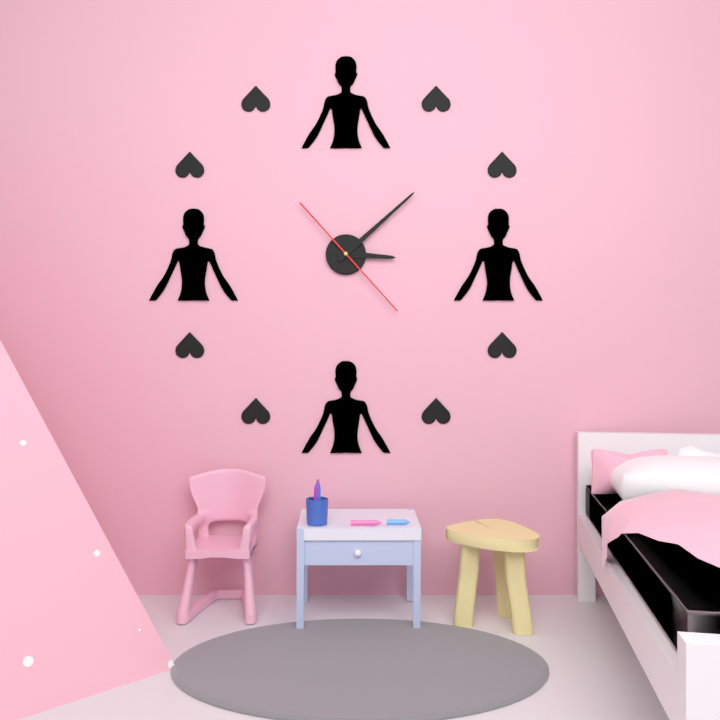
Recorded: {"hour": 3, "minute": 8, "second": 23}
